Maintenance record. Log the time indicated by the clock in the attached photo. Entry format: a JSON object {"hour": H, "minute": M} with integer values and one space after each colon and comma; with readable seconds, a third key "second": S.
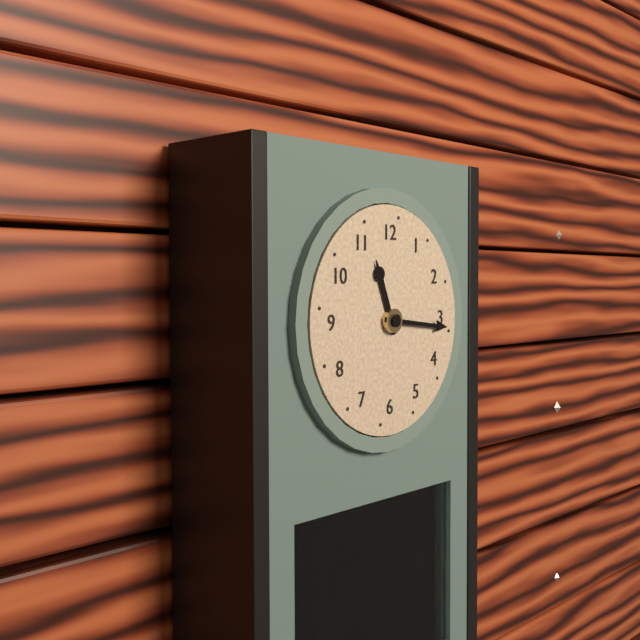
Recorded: {"hour": 11, "minute": 16}
